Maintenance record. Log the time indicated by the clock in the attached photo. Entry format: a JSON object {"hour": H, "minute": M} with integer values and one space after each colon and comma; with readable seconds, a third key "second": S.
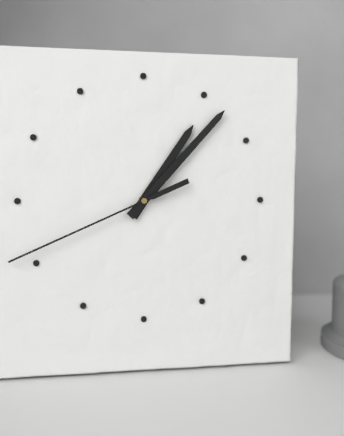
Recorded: {"hour": 1, "minute": 7, "second": 41}
